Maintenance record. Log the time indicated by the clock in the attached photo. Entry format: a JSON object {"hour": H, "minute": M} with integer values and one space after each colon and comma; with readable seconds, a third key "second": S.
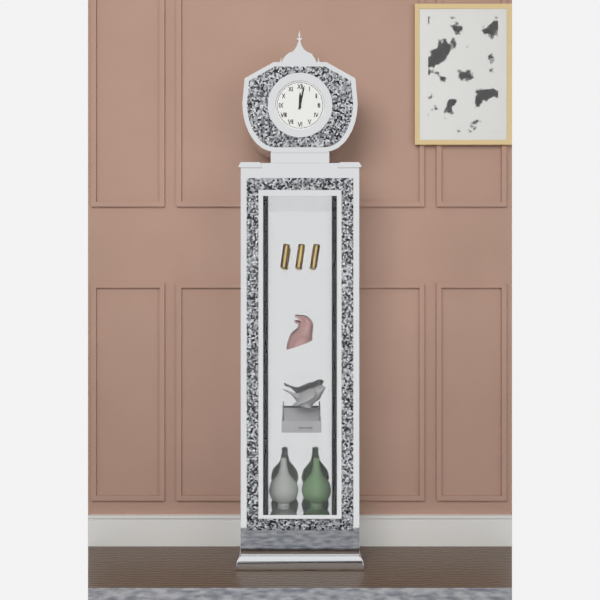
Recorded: {"hour": 12, "minute": 2}
